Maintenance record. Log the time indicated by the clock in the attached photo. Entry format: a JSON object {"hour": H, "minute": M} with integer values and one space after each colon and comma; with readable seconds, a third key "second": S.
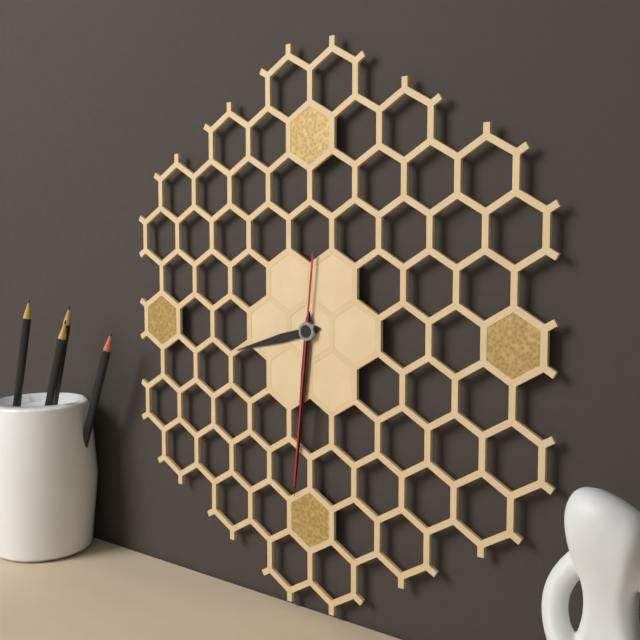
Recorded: {"hour": 8, "minute": 31, "second": 31}
